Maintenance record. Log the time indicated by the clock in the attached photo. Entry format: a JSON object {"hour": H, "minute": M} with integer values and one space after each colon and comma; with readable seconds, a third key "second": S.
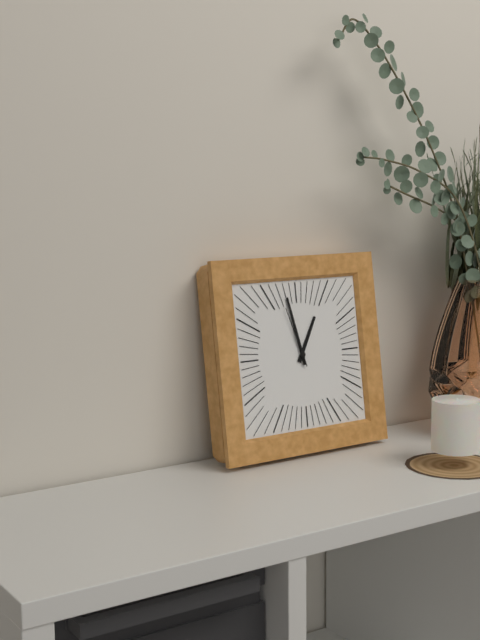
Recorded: {"hour": 12, "minute": 58, "second": 57}
